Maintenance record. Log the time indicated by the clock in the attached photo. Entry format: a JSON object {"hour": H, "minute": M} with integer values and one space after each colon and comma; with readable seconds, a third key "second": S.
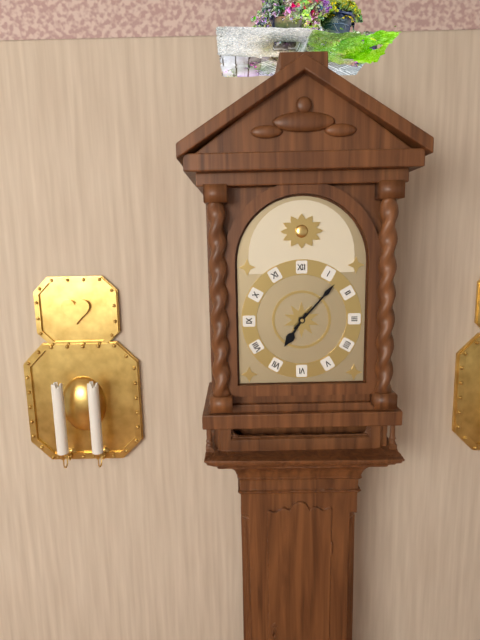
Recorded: {"hour": 7, "minute": 7}
